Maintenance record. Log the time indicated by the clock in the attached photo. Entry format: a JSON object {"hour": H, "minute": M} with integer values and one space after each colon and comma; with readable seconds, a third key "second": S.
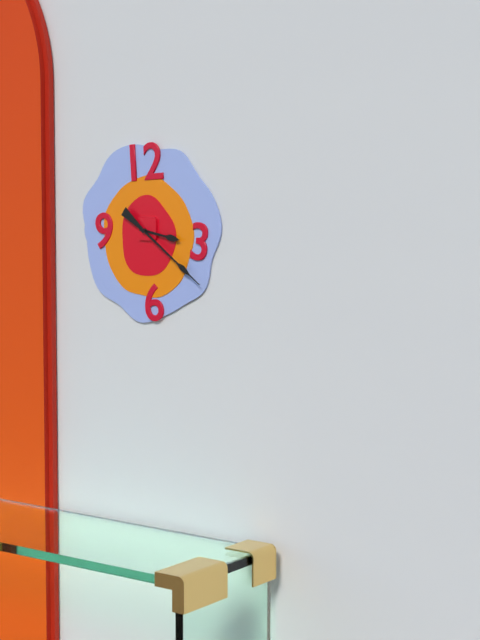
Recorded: {"hour": 3, "minute": 21}
